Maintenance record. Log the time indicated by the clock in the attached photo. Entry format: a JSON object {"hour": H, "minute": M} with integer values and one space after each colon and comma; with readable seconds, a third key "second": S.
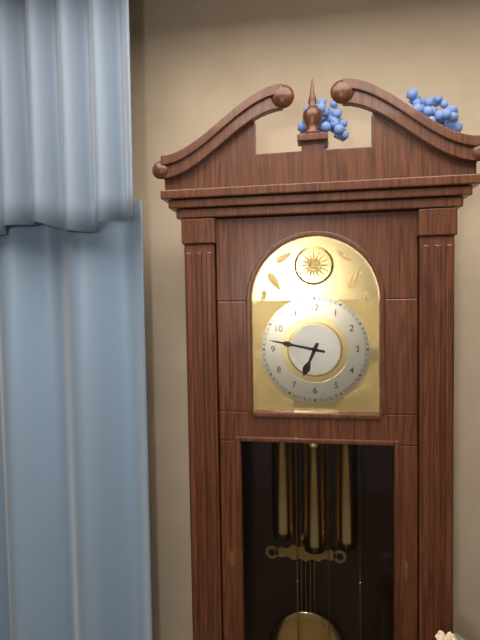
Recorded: {"hour": 6, "minute": 47}
